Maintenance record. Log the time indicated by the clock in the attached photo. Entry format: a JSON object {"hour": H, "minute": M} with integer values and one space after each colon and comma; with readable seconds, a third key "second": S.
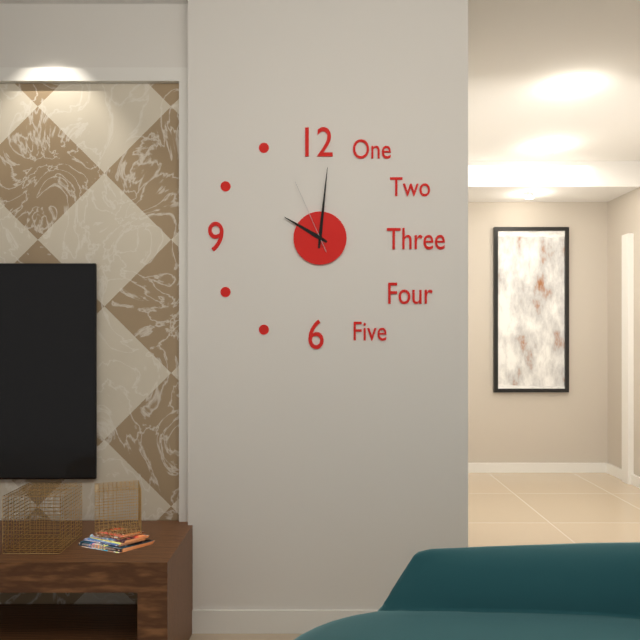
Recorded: {"hour": 10, "minute": 1, "second": 56}
